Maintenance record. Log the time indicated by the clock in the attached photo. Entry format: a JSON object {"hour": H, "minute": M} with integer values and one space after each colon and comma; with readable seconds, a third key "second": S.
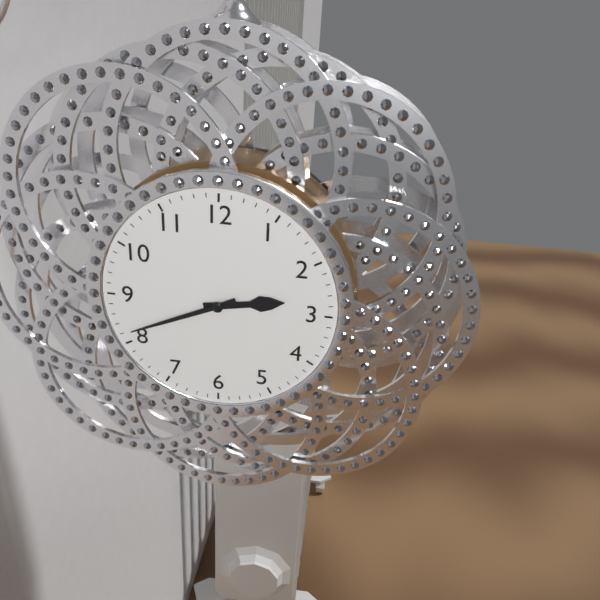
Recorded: {"hour": 2, "minute": 41}
